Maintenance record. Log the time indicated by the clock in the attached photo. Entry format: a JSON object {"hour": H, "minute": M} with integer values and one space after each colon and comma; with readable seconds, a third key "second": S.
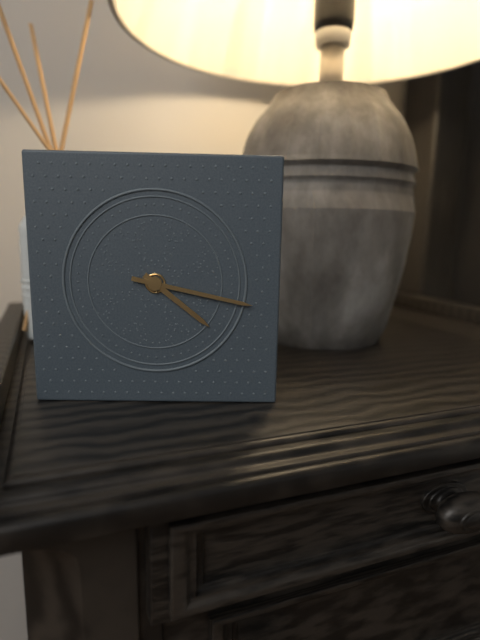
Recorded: {"hour": 4, "minute": 17}
